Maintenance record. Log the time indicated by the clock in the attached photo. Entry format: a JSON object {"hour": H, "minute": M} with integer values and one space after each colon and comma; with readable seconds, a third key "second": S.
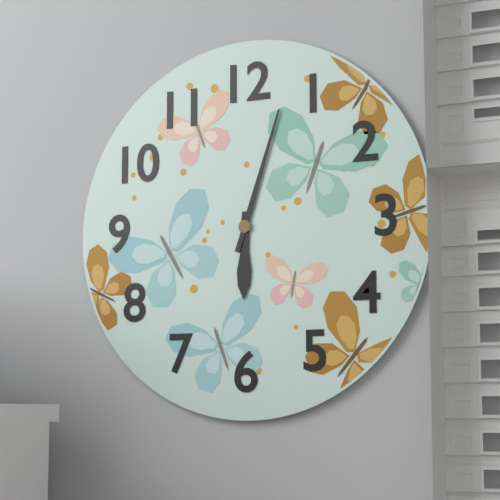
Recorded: {"hour": 6, "minute": 3}
